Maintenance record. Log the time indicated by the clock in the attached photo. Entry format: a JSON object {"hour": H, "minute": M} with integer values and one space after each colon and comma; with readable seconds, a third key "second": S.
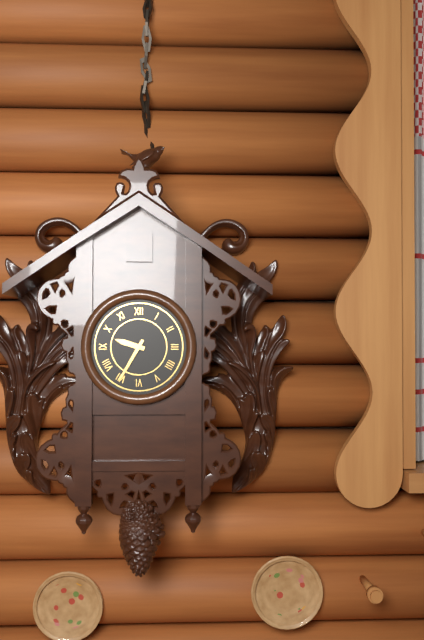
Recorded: {"hour": 9, "minute": 35}
